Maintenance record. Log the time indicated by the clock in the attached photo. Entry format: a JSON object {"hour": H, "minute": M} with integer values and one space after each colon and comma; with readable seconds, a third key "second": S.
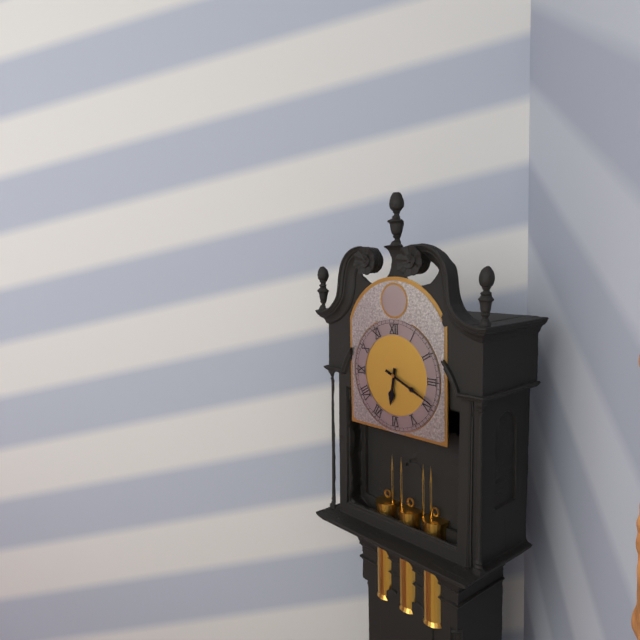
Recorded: {"hour": 6, "minute": 19}
